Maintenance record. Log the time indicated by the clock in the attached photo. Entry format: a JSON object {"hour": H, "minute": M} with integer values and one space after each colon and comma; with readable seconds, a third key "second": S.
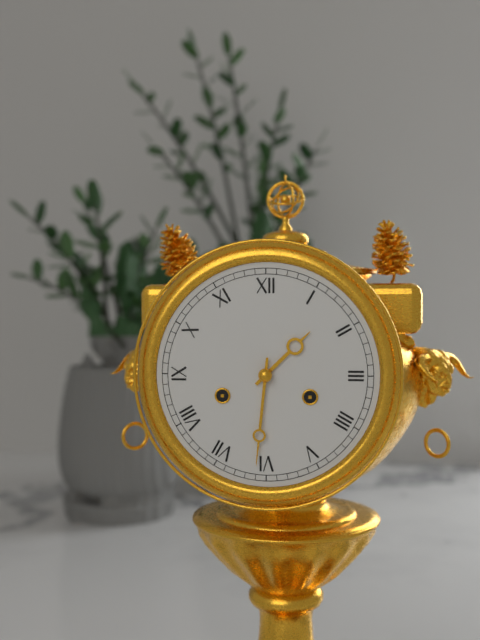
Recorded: {"hour": 1, "minute": 31}
